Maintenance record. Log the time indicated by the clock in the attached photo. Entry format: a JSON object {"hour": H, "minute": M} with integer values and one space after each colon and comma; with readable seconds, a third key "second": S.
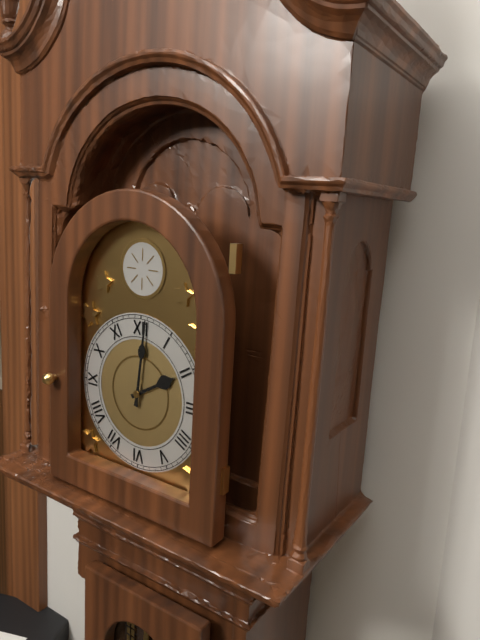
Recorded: {"hour": 2, "minute": 1}
